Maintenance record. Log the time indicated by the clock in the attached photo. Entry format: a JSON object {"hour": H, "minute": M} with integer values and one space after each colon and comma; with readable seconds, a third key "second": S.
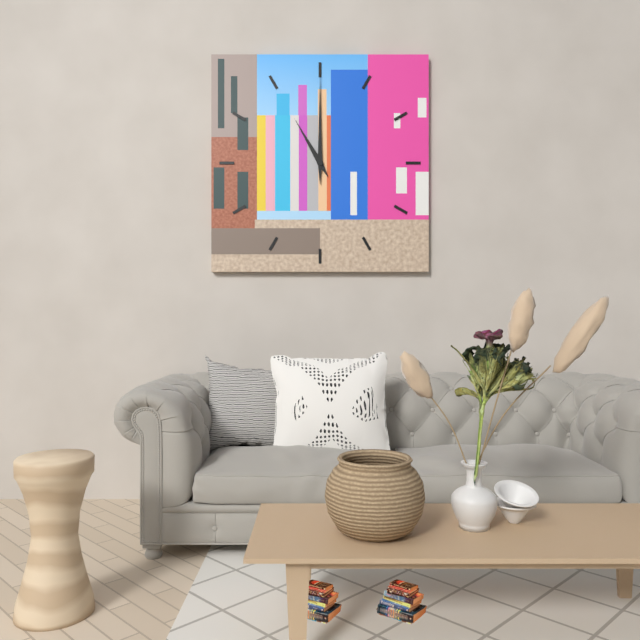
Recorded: {"hour": 11, "minute": 0}
